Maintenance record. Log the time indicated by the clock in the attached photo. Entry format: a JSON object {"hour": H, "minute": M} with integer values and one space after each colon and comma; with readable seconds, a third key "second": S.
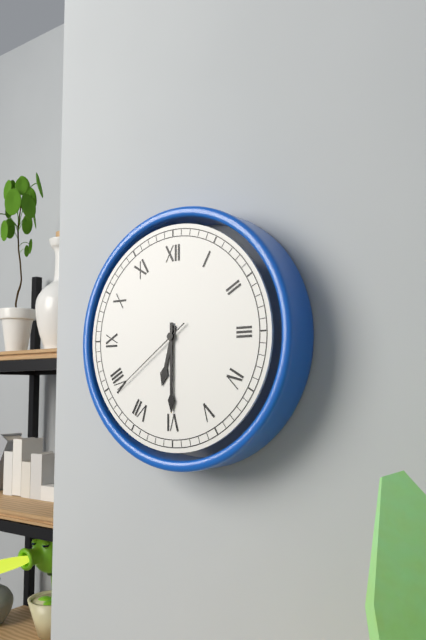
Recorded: {"hour": 6, "minute": 30, "second": 39}
